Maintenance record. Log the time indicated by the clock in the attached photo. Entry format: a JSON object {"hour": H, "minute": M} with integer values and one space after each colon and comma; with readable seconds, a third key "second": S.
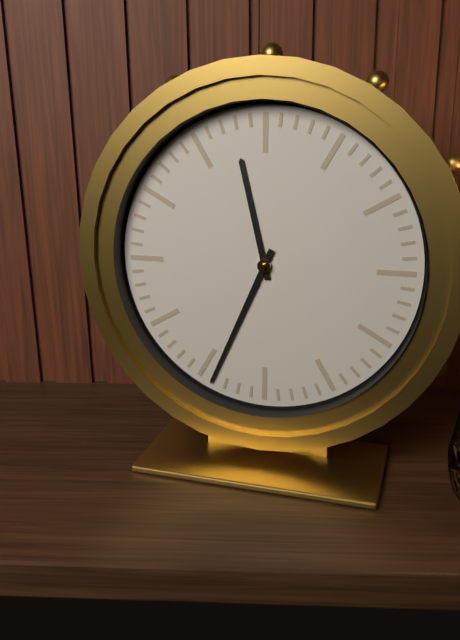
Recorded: {"hour": 11, "minute": 34}
